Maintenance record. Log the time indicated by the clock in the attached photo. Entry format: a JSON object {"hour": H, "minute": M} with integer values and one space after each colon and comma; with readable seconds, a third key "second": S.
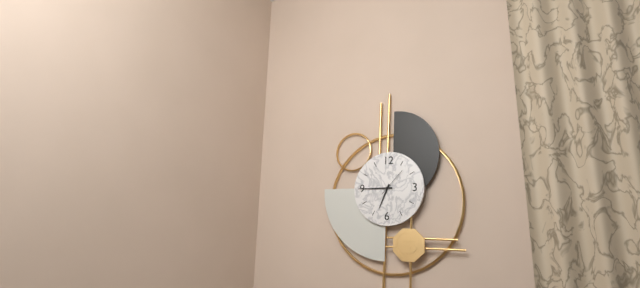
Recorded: {"hour": 6, "minute": 45}
